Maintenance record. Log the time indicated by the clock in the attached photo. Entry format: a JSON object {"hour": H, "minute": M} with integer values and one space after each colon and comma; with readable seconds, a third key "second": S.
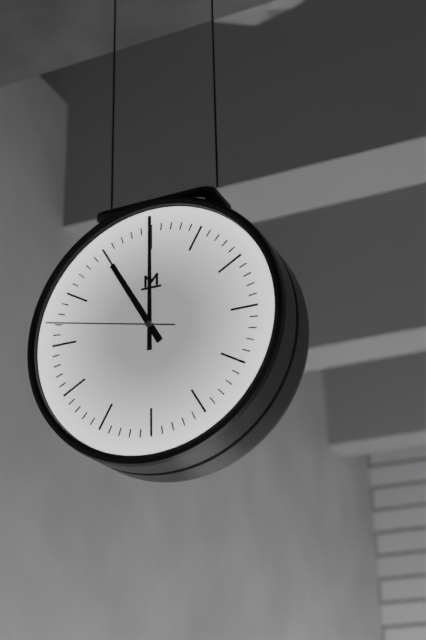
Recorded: {"hour": 11, "minute": 0, "second": 47}
